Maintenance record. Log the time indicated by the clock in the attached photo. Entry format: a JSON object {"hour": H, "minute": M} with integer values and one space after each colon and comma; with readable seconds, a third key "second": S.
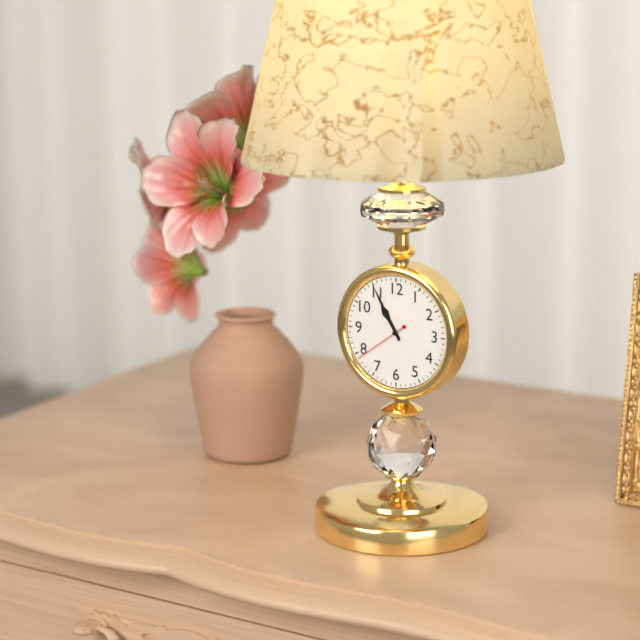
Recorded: {"hour": 10, "minute": 55, "second": 39}
